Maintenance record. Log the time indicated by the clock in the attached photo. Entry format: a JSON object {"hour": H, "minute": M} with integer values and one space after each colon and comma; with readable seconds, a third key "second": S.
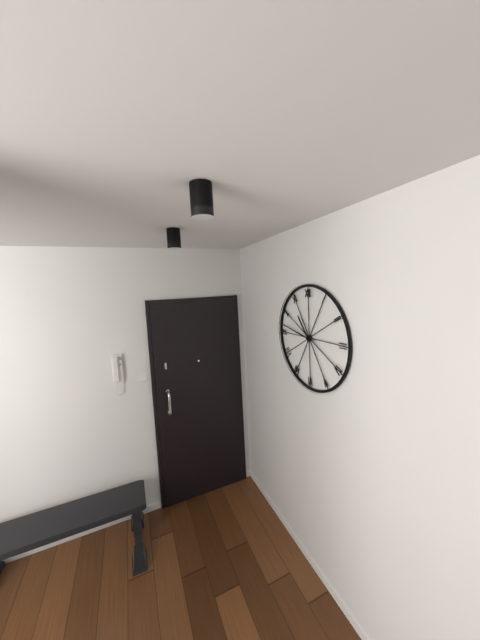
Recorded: {"hour": 10, "minute": 47}
